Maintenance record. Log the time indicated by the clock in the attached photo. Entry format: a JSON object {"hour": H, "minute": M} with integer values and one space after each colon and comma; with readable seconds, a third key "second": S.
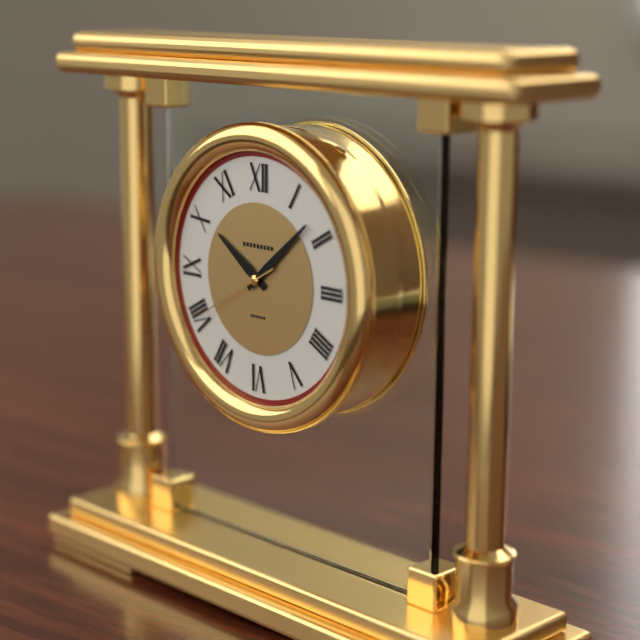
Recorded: {"hour": 10, "minute": 8, "second": 40}
